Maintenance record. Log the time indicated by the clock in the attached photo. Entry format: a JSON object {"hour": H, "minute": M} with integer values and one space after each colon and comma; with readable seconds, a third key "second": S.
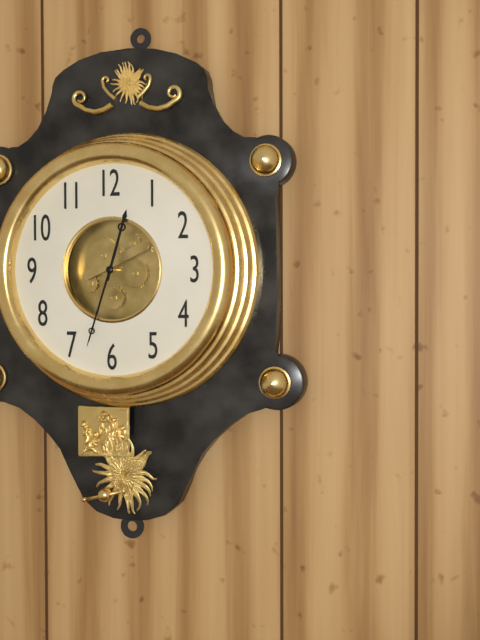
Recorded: {"hour": 12, "minute": 33}
